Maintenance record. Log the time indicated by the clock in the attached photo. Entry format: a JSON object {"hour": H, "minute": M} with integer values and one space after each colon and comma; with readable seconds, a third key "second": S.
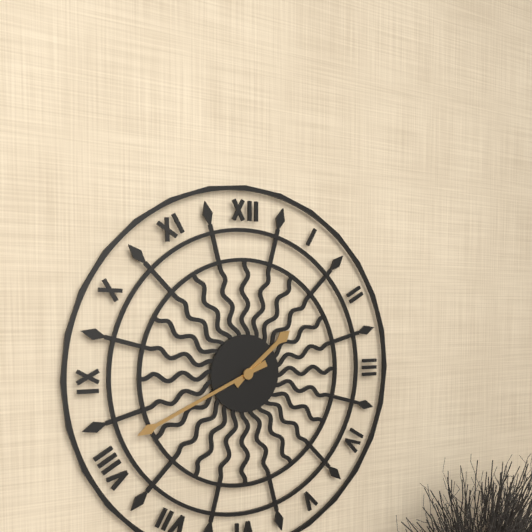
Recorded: {"hour": 1, "minute": 41}
